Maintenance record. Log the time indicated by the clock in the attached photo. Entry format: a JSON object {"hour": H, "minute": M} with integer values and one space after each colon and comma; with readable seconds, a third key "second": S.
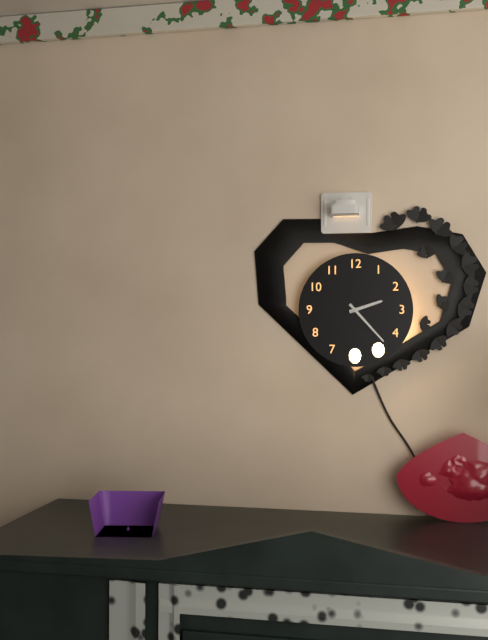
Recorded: {"hour": 2, "minute": 23}
